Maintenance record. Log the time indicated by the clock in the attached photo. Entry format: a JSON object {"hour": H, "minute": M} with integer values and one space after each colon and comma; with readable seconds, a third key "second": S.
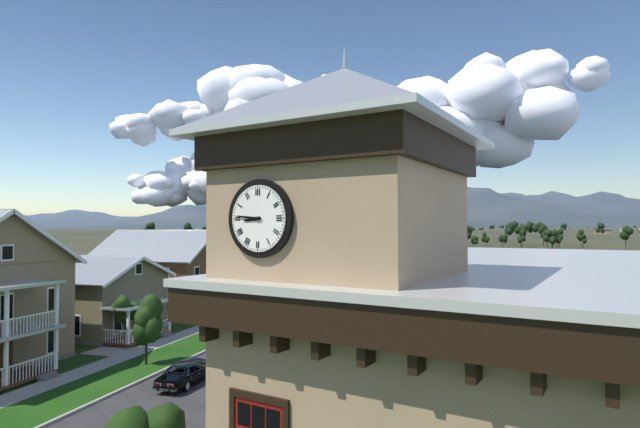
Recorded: {"hour": 8, "minute": 46}
